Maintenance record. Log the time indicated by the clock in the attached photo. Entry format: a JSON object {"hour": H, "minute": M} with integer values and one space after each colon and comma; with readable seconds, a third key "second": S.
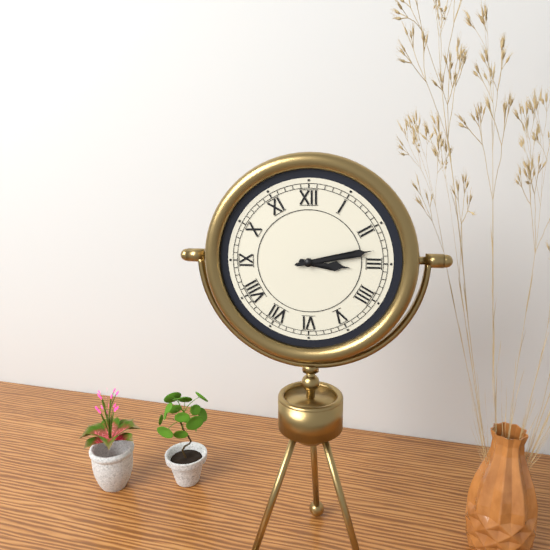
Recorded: {"hour": 3, "minute": 13}
